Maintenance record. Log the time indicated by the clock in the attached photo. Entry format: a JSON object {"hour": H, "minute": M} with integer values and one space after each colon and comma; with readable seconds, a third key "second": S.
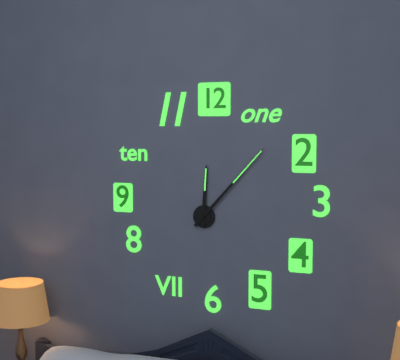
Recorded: {"hour": 12, "minute": 7}
